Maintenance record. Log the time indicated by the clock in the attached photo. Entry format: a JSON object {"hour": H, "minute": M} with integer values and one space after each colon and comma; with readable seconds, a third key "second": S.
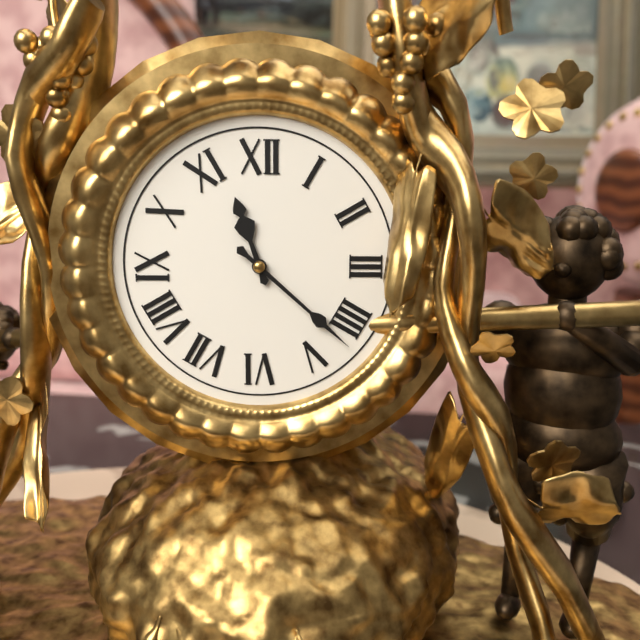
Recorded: {"hour": 11, "minute": 22}
